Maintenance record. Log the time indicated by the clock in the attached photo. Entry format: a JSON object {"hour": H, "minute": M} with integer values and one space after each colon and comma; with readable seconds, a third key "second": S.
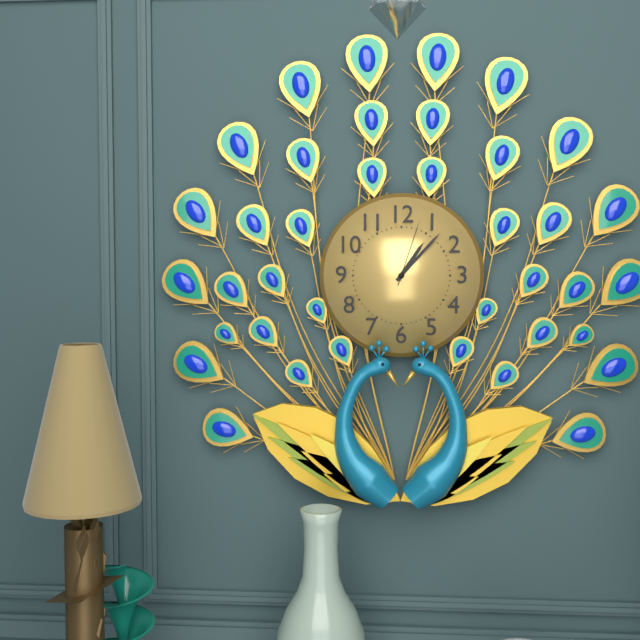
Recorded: {"hour": 1, "minute": 7, "second": 3}
